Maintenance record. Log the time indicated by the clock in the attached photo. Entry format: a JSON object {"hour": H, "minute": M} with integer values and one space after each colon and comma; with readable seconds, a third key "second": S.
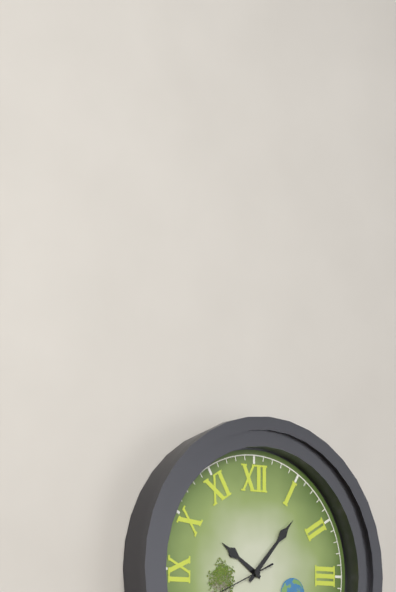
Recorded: {"hour": 10, "minute": 7}
